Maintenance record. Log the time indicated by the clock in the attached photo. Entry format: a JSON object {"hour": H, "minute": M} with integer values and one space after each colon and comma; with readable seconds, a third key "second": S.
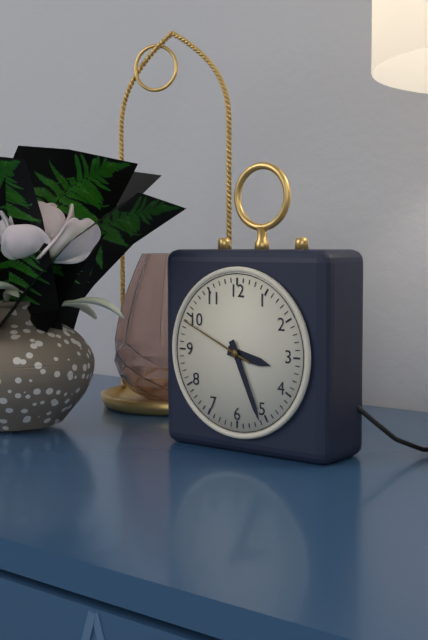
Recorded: {"hour": 3, "minute": 26, "second": 49}
